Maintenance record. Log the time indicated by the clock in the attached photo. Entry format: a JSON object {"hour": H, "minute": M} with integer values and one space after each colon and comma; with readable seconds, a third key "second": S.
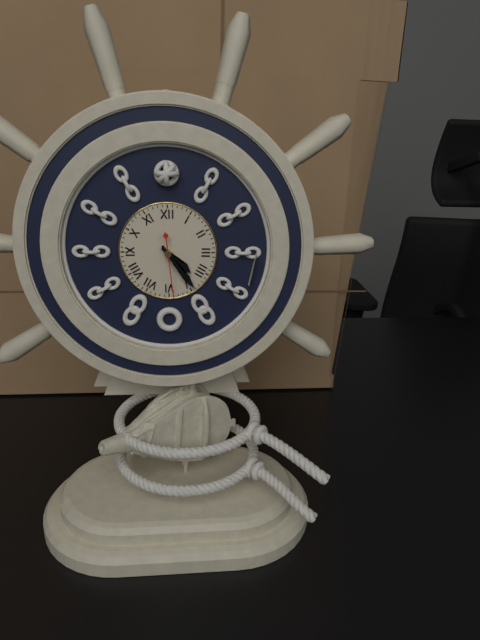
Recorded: {"hour": 4, "minute": 24, "second": 29}
